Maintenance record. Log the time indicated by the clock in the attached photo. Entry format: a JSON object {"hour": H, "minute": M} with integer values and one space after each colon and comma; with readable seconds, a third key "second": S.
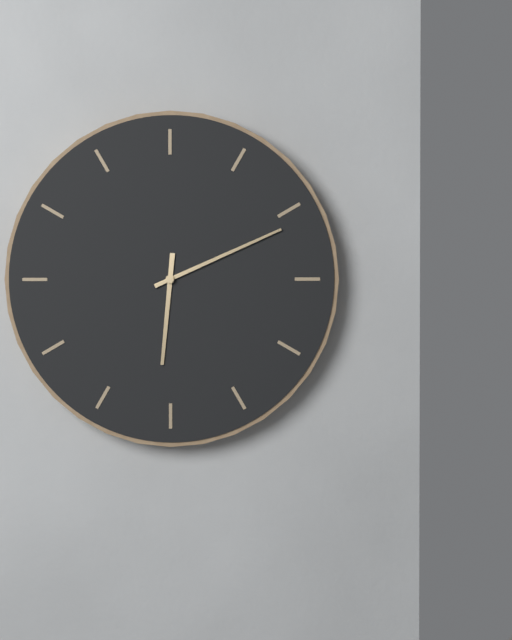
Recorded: {"hour": 6, "minute": 11}
